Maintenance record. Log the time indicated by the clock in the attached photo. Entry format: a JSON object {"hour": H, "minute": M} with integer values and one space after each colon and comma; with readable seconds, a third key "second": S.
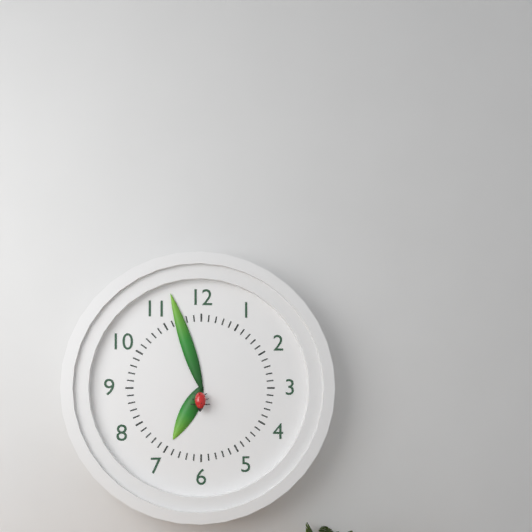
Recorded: {"hour": 6, "minute": 57}
